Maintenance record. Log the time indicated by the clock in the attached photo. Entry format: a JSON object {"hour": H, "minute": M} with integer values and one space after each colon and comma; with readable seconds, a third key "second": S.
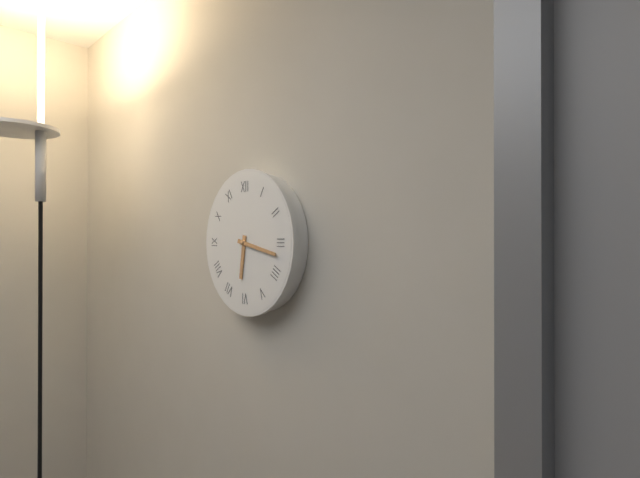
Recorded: {"hour": 6, "minute": 17}
